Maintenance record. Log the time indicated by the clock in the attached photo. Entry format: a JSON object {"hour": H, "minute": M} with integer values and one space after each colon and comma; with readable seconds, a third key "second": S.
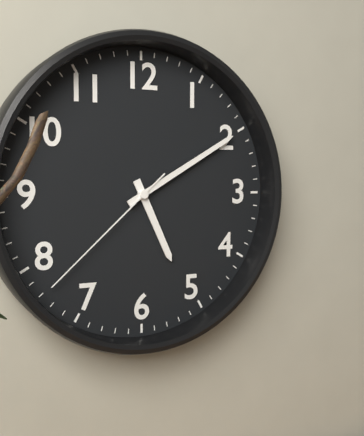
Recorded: {"hour": 5, "minute": 10, "second": 38}
